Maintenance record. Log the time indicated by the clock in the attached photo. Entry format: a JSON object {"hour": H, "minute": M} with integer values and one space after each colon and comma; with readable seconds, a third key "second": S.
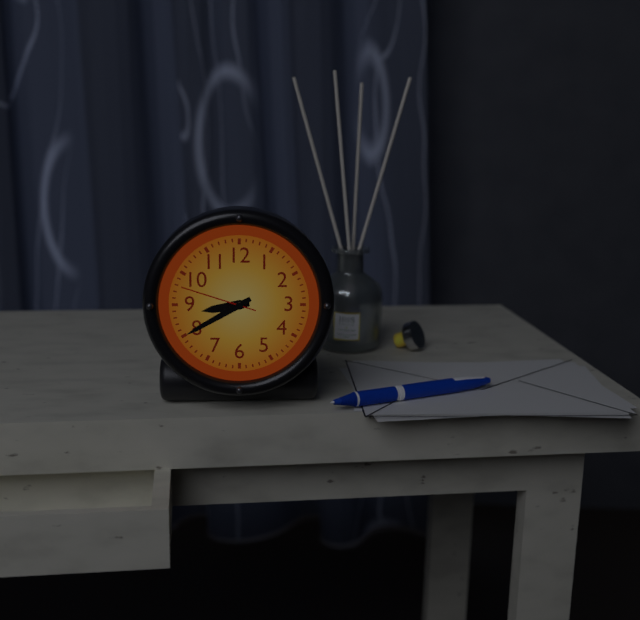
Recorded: {"hour": 8, "minute": 40, "second": 48}
